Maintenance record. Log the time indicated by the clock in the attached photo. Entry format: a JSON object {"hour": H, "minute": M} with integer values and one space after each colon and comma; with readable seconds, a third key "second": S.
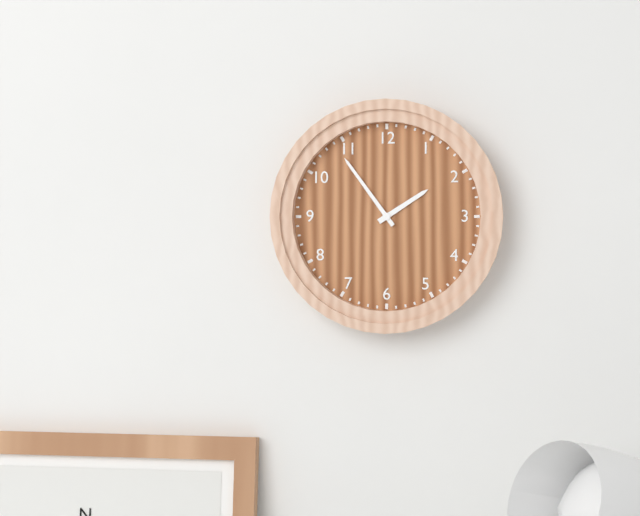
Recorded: {"hour": 1, "minute": 54}
